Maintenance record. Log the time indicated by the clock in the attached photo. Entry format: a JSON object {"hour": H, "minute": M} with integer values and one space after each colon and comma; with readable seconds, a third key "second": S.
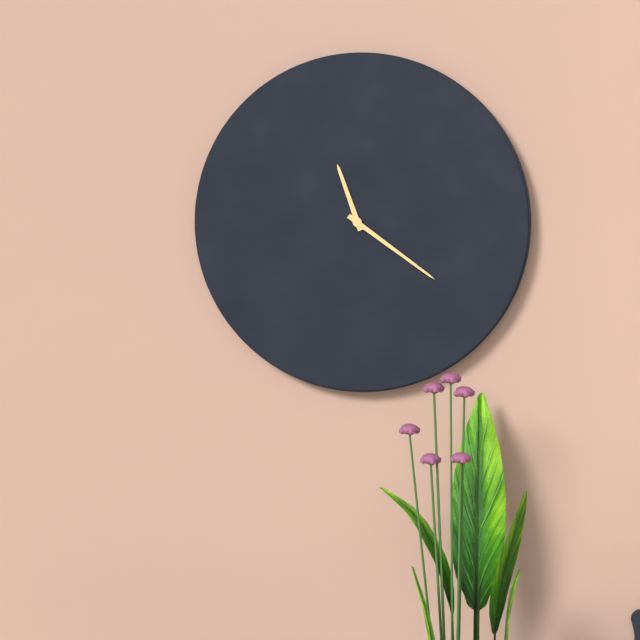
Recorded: {"hour": 11, "minute": 21}
